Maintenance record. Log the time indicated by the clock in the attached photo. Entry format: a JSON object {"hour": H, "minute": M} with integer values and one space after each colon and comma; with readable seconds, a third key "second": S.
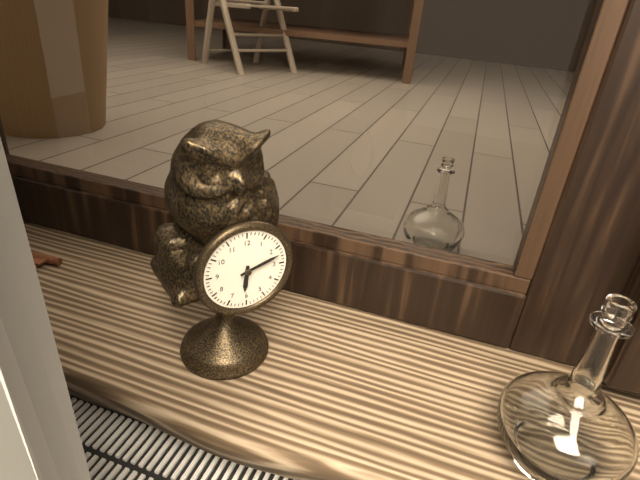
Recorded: {"hour": 6, "minute": 12}
